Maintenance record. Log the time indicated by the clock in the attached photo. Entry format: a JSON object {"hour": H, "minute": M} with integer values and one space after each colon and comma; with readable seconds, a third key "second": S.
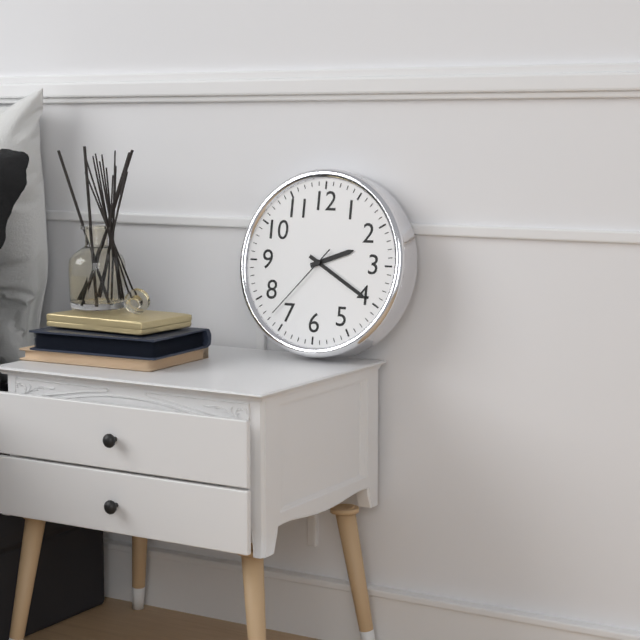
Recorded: {"hour": 2, "minute": 20, "second": 37}
